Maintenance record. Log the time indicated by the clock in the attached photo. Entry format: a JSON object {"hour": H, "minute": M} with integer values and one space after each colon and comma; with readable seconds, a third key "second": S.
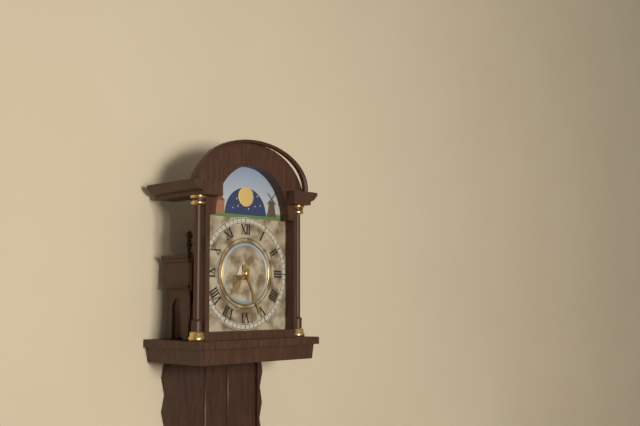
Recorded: {"hour": 7, "minute": 26}
